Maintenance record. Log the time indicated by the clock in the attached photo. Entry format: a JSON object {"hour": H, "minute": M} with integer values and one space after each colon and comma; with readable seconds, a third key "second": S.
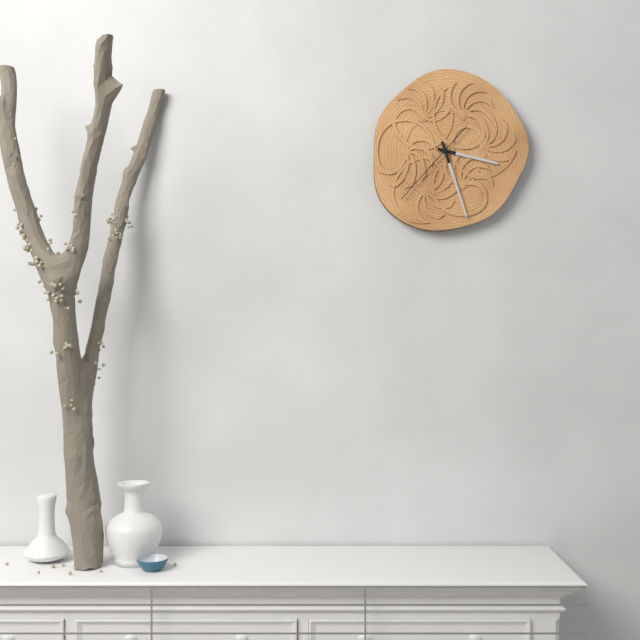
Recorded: {"hour": 3, "minute": 27, "second": 37}
